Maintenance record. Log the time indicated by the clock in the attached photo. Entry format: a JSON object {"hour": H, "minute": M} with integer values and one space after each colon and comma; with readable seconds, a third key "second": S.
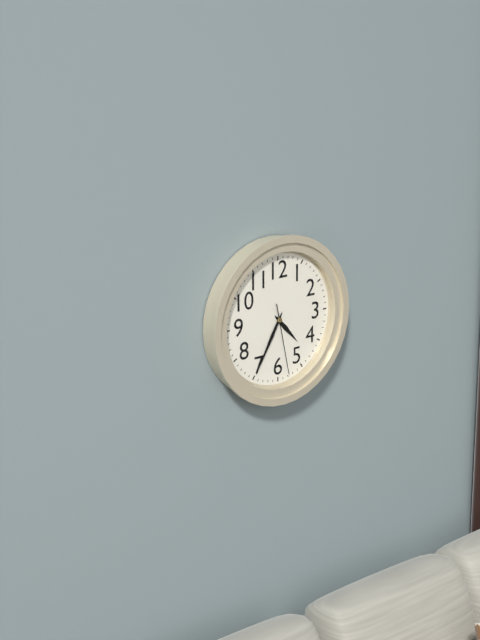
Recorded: {"hour": 4, "minute": 35, "second": 28}
